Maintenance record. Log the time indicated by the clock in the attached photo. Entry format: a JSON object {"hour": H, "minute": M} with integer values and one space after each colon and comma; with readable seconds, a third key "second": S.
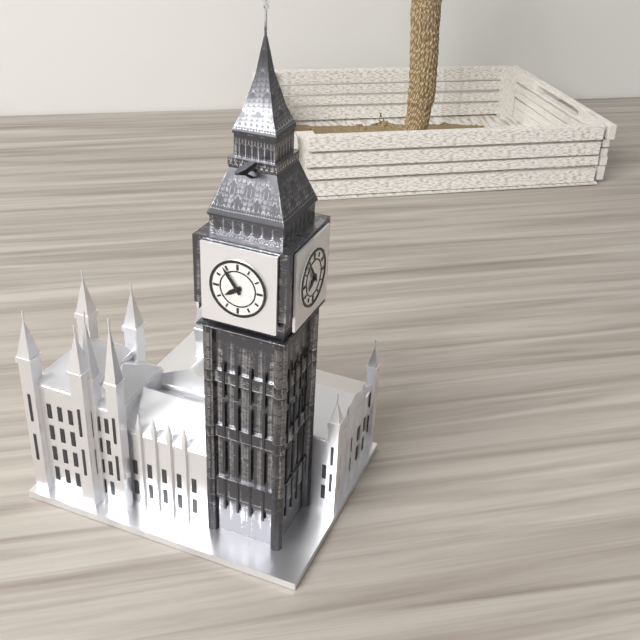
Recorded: {"hour": 7, "minute": 54}
